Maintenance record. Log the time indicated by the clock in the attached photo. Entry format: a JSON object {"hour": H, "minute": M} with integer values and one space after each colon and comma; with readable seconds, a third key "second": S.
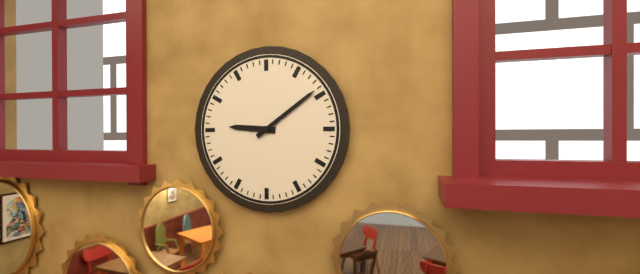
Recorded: {"hour": 9, "minute": 9}
